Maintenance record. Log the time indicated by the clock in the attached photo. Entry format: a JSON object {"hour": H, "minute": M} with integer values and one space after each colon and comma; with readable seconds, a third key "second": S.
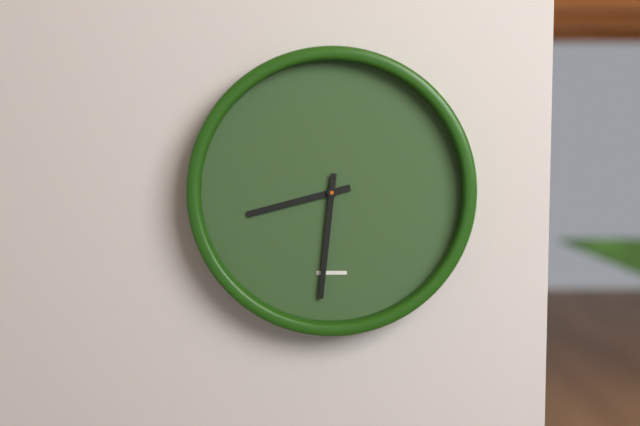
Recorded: {"hour": 8, "minute": 31}
